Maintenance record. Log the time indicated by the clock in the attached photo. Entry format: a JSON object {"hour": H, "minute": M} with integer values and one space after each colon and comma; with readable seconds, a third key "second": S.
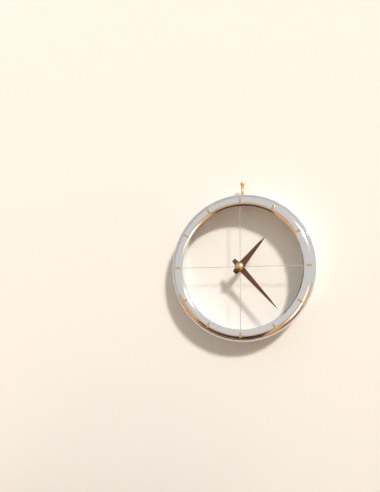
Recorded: {"hour": 1, "minute": 23}
